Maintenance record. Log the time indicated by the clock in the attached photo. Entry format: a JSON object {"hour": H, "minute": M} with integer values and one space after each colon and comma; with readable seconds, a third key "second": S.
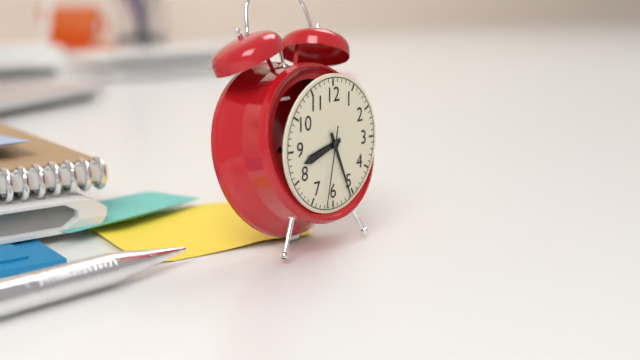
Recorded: {"hour": 8, "minute": 26, "second": 32}
